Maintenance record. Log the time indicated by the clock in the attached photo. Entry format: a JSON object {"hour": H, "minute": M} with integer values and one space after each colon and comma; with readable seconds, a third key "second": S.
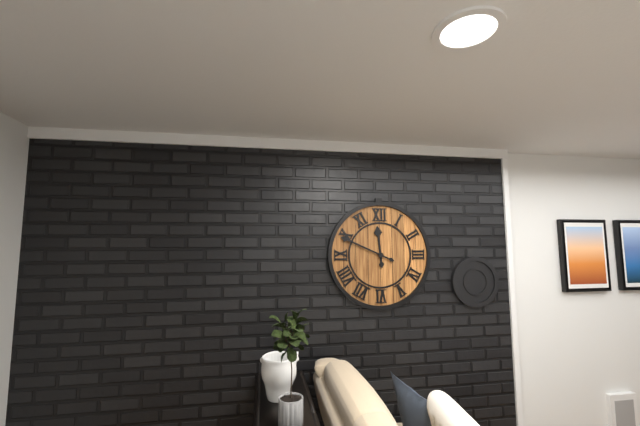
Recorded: {"hour": 11, "minute": 49}
